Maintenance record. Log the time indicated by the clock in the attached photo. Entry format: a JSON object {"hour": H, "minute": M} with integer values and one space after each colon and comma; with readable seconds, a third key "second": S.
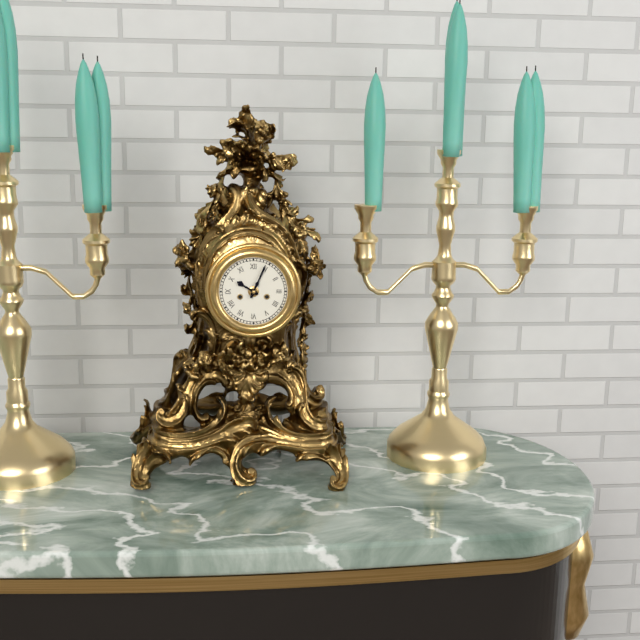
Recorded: {"hour": 10, "minute": 4}
